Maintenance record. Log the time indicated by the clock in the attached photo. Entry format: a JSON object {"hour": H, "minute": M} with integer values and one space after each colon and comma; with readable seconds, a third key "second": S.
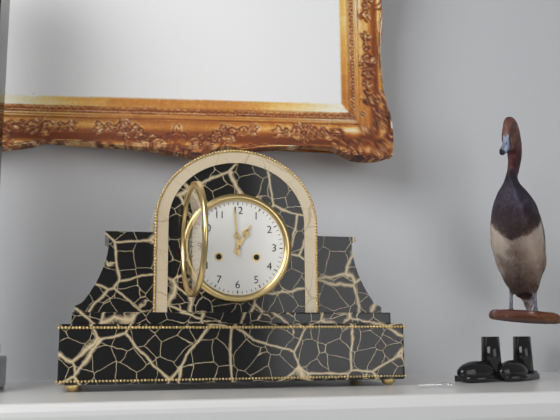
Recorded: {"hour": 12, "minute": 59}
